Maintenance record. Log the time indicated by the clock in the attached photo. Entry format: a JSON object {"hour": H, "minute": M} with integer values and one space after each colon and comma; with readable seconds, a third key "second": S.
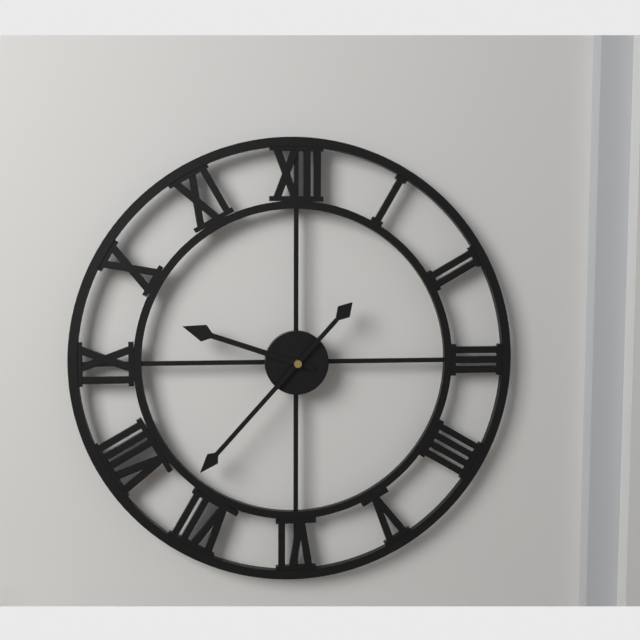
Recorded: {"hour": 9, "minute": 37}
